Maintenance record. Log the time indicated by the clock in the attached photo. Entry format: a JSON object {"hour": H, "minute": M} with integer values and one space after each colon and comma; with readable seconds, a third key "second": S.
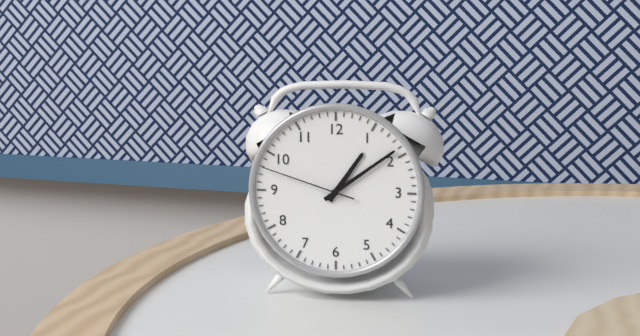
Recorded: {"hour": 1, "minute": 9, "second": 48}
